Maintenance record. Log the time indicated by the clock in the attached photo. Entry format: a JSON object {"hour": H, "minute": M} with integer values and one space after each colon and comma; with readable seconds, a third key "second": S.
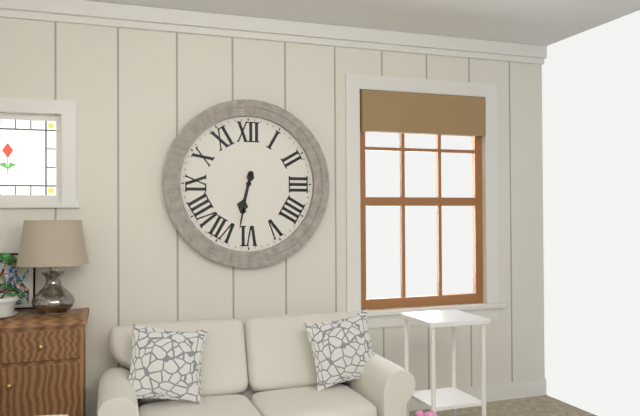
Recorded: {"hour": 6, "minute": 32}
